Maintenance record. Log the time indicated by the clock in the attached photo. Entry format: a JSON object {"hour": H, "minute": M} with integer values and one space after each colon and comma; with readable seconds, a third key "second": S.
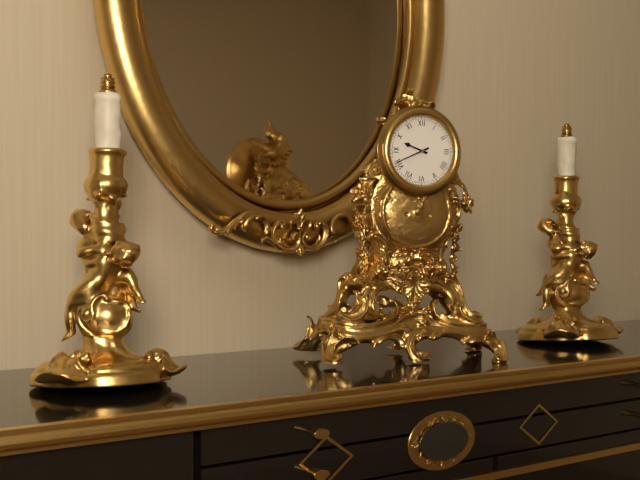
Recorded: {"hour": 9, "minute": 41}
